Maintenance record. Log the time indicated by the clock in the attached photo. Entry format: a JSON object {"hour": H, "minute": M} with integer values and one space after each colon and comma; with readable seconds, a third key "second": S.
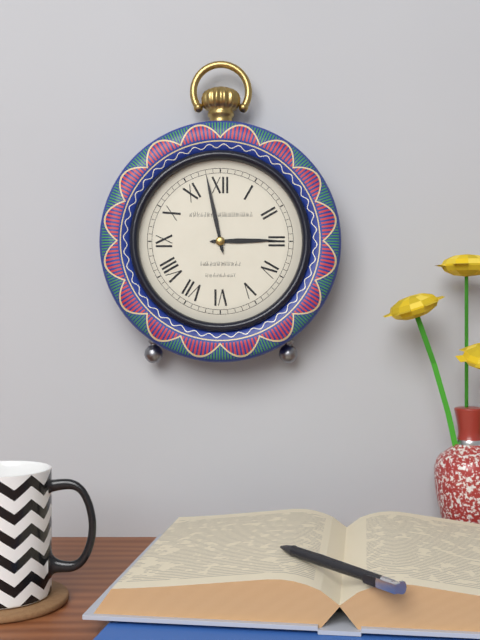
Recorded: {"hour": 2, "minute": 58}
